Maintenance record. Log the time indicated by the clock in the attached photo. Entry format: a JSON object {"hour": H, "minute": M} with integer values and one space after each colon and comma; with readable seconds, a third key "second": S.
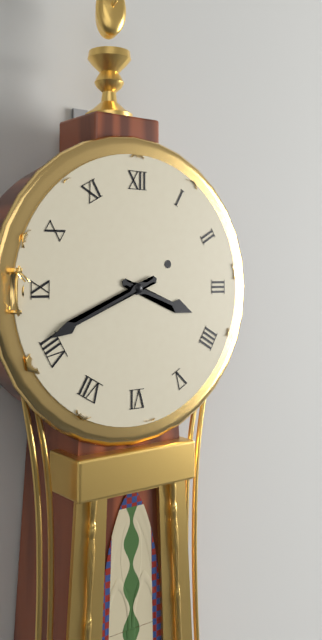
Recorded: {"hour": 3, "minute": 41}
